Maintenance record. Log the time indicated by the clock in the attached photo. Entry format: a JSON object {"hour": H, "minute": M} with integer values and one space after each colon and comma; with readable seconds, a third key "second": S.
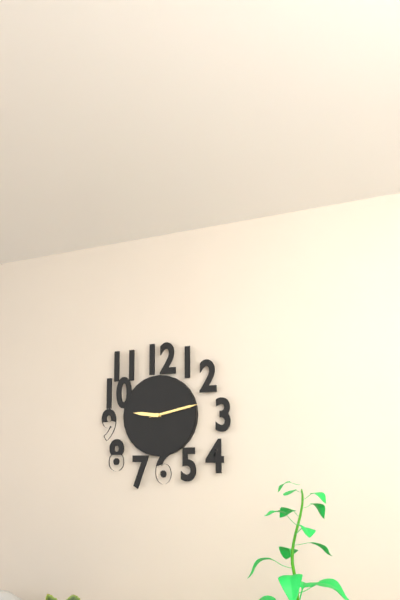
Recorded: {"hour": 9, "minute": 13, "second": 13}
